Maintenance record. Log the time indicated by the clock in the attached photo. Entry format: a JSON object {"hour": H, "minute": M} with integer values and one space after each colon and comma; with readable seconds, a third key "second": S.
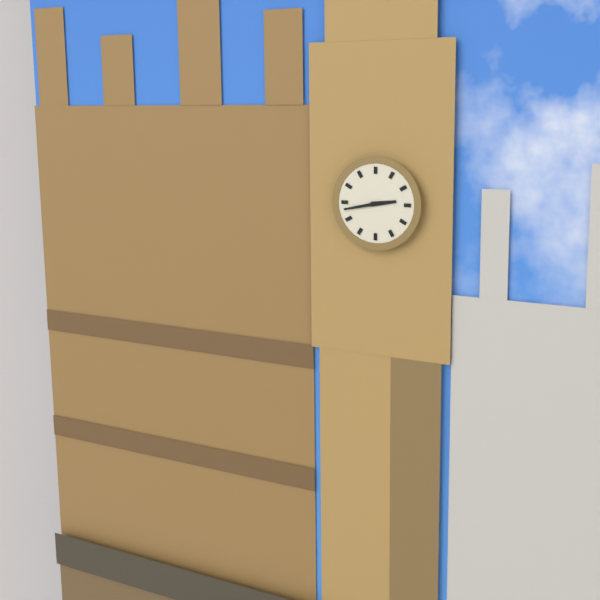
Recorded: {"hour": 2, "minute": 43}
